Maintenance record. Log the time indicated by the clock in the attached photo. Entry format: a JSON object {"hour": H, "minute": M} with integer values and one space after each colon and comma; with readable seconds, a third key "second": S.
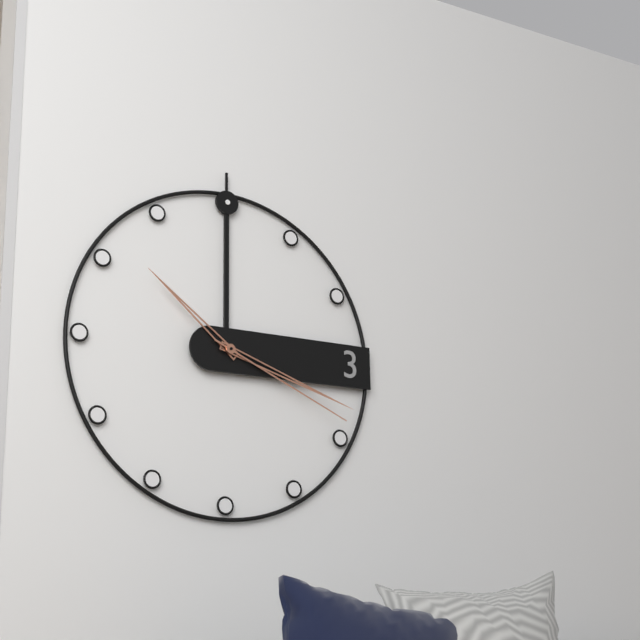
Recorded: {"hour": 10, "minute": 18, "second": 19}
